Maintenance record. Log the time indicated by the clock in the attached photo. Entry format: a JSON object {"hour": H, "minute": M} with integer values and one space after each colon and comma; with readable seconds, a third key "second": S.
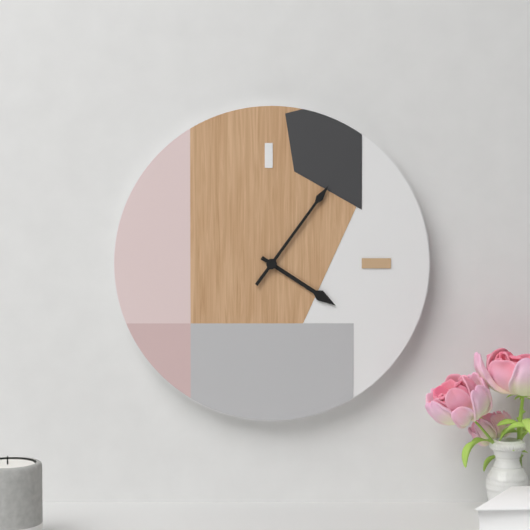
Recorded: {"hour": 4, "minute": 6}
